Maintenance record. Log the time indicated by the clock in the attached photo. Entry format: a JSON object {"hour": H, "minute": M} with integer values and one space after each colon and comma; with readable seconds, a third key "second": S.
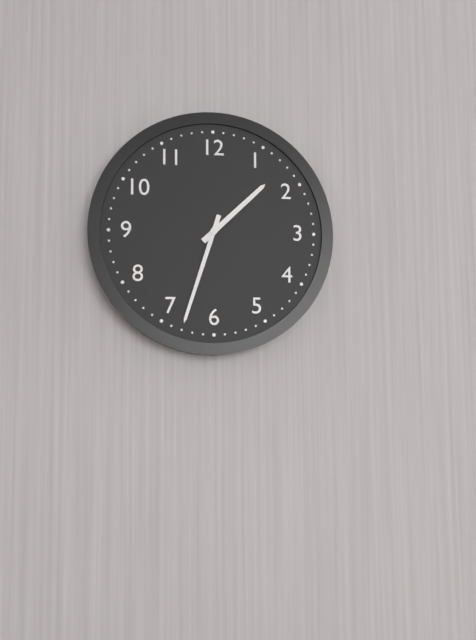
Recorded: {"hour": 1, "minute": 33}
